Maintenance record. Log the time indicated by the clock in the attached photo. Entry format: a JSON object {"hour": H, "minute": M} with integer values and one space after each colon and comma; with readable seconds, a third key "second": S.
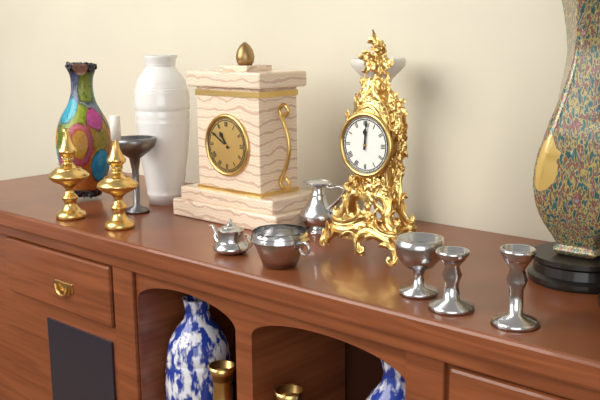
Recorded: {"hour": 12, "minute": 1}
